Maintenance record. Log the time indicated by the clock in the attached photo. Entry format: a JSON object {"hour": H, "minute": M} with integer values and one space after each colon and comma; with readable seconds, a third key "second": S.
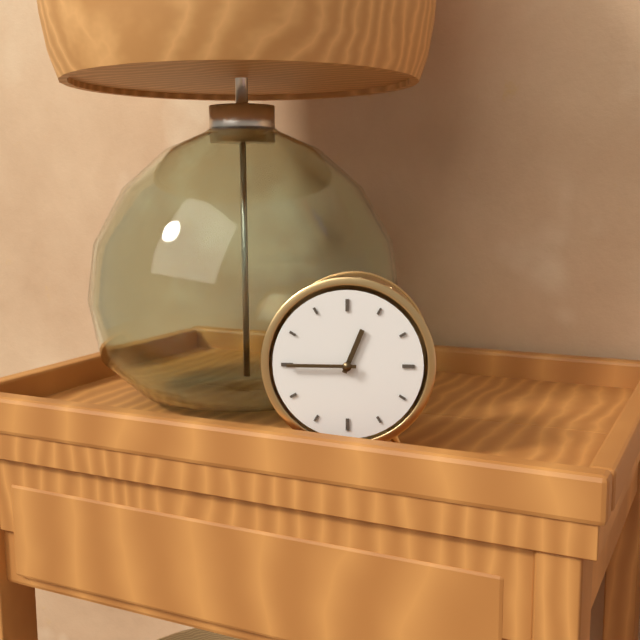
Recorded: {"hour": 12, "minute": 45}
